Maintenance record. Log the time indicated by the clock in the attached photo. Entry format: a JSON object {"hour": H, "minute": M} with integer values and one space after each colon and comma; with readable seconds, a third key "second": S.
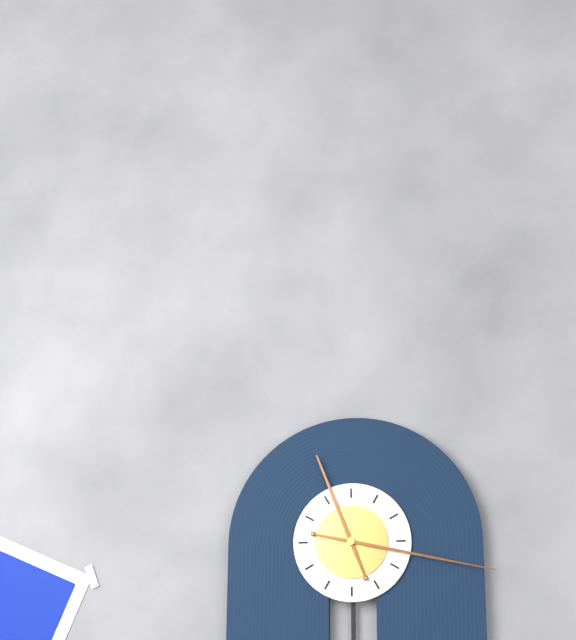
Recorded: {"hour": 11, "minute": 17}
